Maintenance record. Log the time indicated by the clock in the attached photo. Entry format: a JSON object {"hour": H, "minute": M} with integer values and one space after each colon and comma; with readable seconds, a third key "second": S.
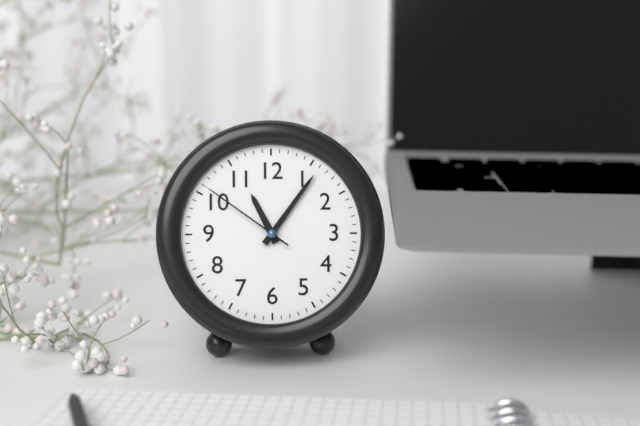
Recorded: {"hour": 11, "minute": 6, "second": 51}
